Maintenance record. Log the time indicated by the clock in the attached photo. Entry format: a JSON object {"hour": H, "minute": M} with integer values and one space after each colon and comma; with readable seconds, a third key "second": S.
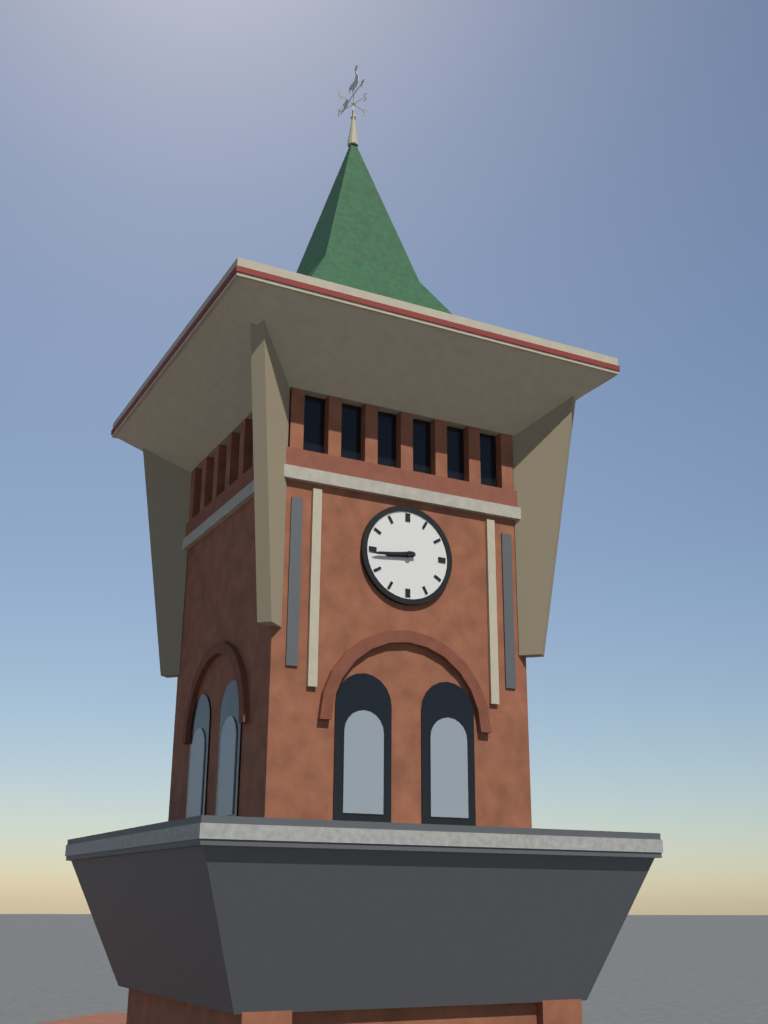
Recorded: {"hour": 8, "minute": 44}
